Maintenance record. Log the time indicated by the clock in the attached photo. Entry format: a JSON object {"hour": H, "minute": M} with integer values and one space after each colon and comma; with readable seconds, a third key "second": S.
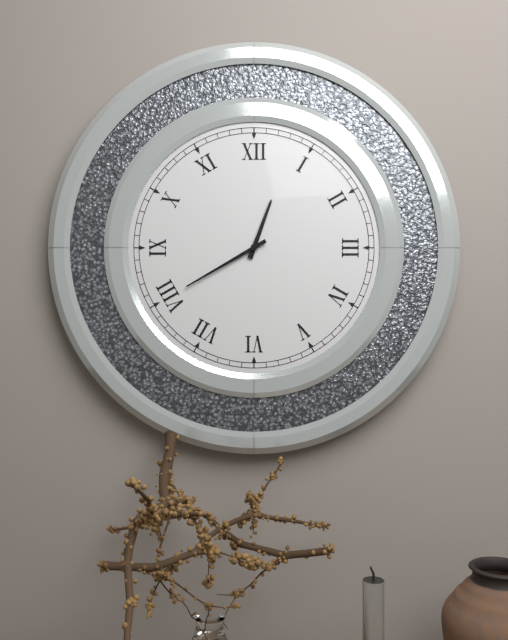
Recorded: {"hour": 12, "minute": 40}
